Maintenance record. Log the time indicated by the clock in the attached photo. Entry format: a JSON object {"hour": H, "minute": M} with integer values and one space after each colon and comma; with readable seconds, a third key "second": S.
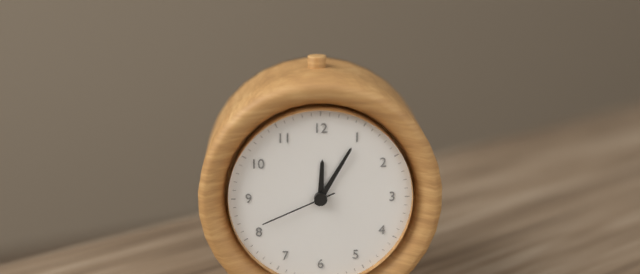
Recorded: {"hour": 12, "minute": 5, "second": 41}
